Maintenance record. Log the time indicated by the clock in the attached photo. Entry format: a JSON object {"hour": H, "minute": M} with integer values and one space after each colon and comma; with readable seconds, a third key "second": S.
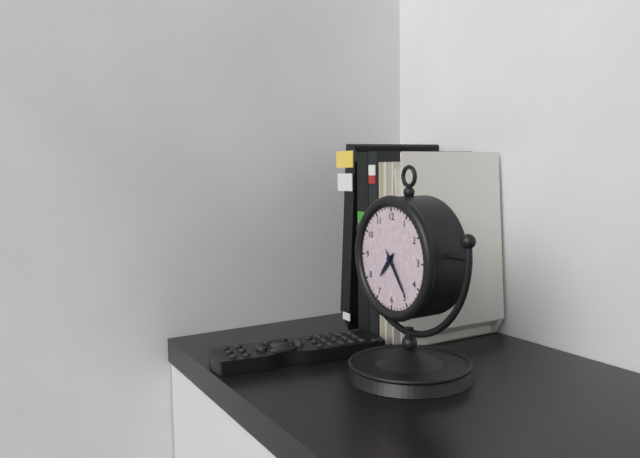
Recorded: {"hour": 7, "minute": 24}
